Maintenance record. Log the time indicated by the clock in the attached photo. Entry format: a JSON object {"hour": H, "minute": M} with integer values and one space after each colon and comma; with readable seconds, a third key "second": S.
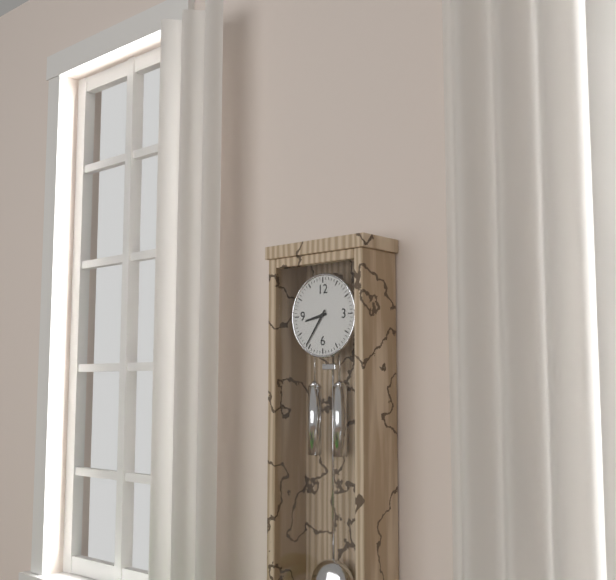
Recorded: {"hour": 8, "minute": 36}
